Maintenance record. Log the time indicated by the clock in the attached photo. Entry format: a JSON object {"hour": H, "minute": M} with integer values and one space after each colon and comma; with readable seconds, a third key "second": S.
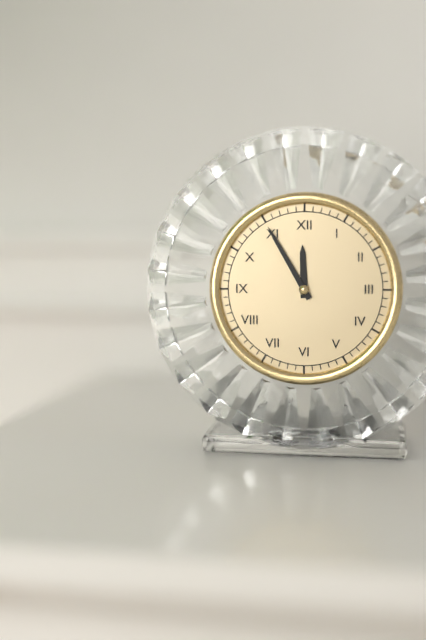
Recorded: {"hour": 11, "minute": 55}
